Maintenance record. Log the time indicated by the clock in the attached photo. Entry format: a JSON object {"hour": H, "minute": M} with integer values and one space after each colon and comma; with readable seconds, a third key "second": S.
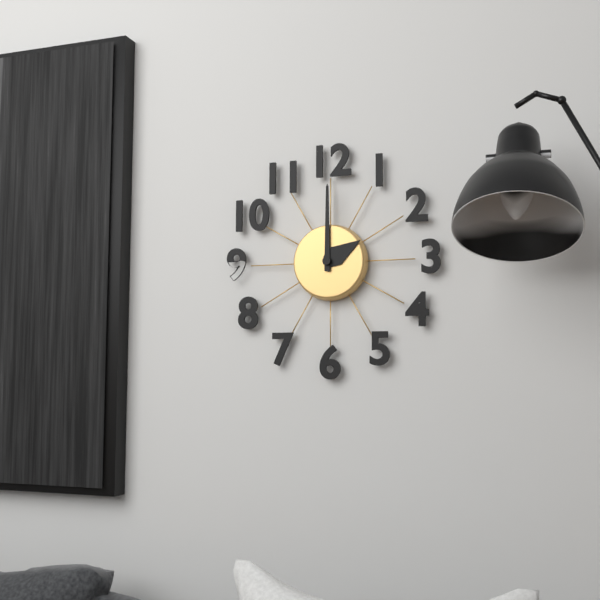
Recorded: {"hour": 2, "minute": 0}
